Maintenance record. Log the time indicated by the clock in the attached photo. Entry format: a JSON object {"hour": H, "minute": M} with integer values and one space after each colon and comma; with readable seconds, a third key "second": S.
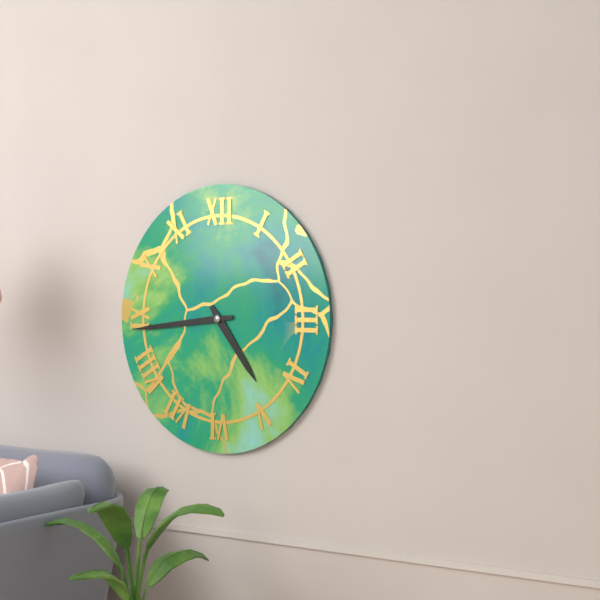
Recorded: {"hour": 4, "minute": 44}
